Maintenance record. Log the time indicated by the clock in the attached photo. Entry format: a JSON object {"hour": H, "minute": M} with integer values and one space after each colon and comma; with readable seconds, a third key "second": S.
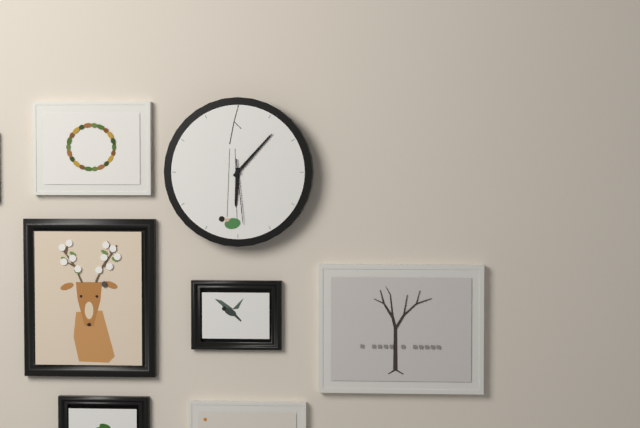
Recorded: {"hour": 6, "minute": 7, "second": 29}
